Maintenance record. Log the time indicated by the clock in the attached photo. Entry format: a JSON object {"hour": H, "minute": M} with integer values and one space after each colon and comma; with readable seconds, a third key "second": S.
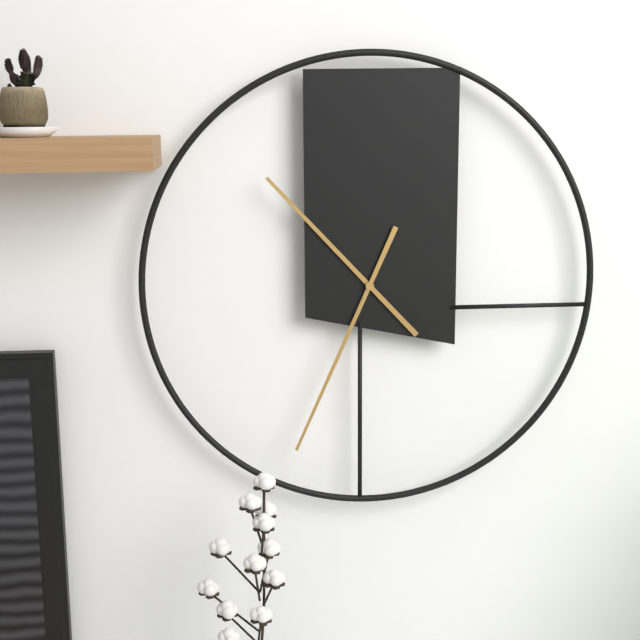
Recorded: {"hour": 10, "minute": 34}
